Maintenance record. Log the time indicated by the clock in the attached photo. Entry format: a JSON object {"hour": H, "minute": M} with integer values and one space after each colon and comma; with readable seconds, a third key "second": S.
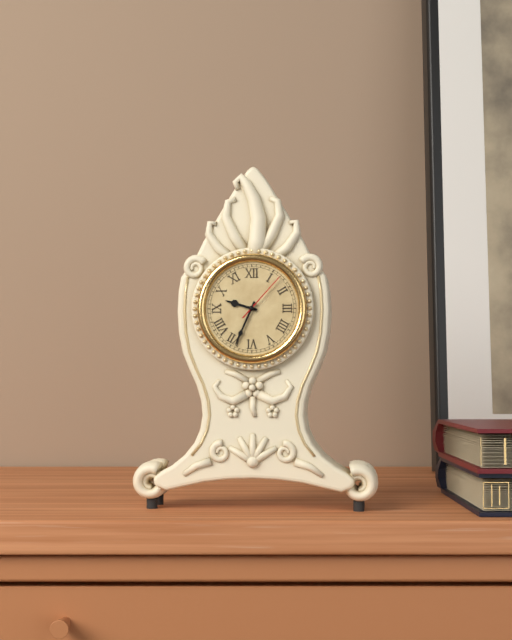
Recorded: {"hour": 9, "minute": 34, "second": 7}
